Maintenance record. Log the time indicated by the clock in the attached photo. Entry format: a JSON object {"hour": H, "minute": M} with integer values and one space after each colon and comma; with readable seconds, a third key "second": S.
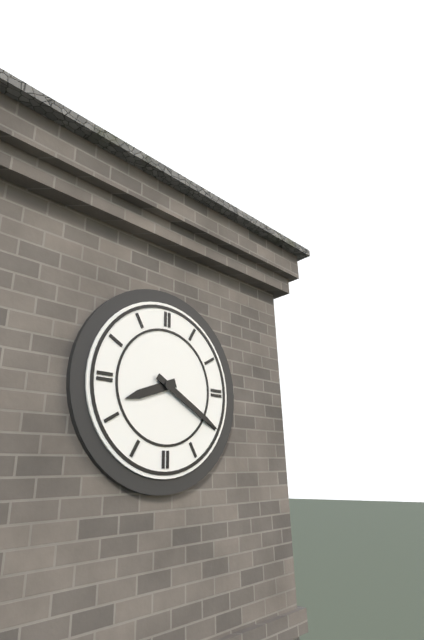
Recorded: {"hour": 8, "minute": 20}
